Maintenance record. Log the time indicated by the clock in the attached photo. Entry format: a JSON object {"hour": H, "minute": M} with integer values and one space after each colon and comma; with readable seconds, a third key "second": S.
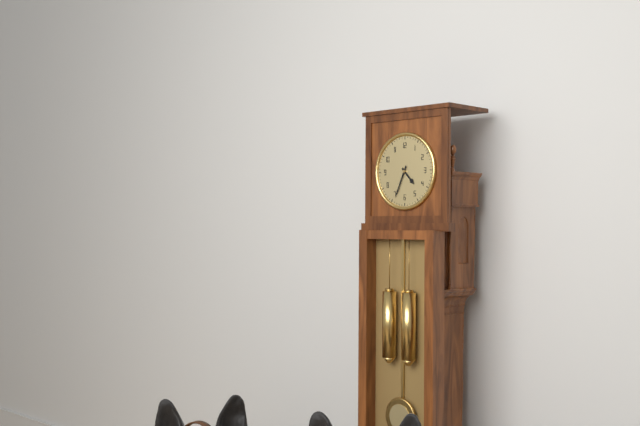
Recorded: {"hour": 4, "minute": 34}
